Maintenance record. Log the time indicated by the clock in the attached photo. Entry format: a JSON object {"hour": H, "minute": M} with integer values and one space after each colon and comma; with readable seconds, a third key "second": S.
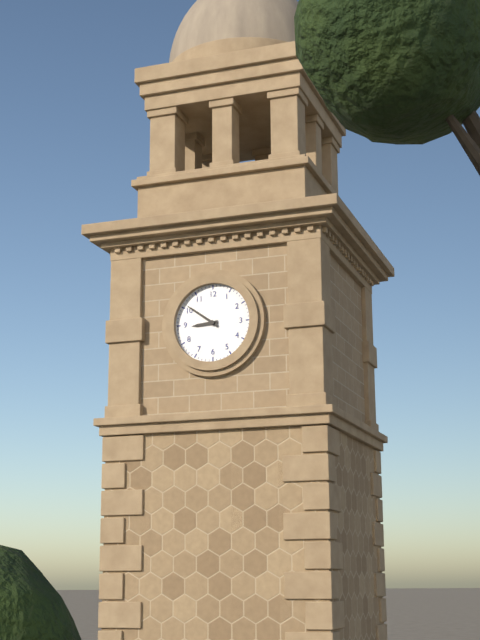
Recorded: {"hour": 8, "minute": 51}
